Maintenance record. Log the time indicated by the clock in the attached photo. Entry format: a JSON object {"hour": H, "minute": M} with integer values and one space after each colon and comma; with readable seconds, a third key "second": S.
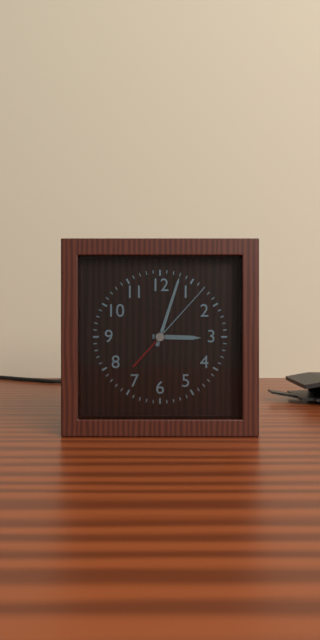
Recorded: {"hour": 3, "minute": 3, "second": 7}
